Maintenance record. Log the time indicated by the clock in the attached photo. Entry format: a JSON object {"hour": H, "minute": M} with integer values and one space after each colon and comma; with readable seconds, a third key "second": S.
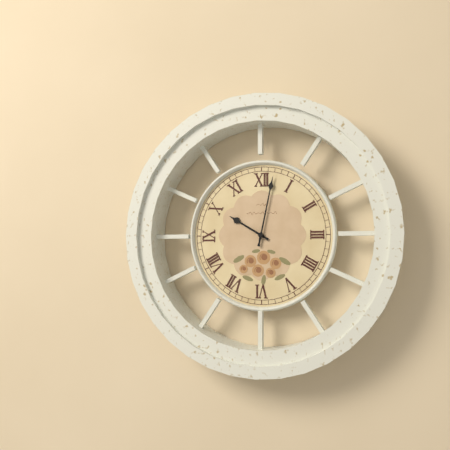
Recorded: {"hour": 10, "minute": 2}
